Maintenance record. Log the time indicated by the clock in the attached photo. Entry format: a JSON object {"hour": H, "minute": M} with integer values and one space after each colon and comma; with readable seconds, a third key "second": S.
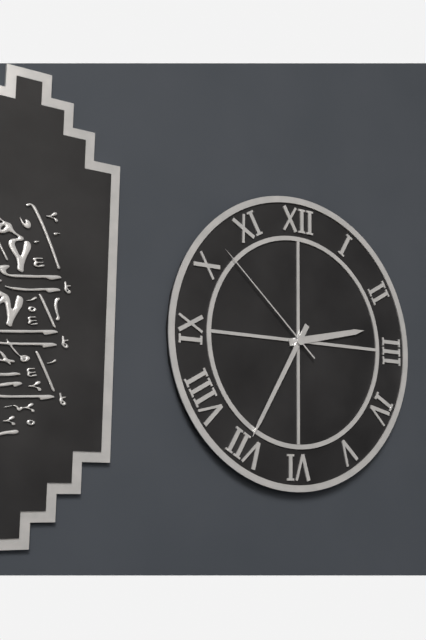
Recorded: {"hour": 2, "minute": 35, "second": 52}
